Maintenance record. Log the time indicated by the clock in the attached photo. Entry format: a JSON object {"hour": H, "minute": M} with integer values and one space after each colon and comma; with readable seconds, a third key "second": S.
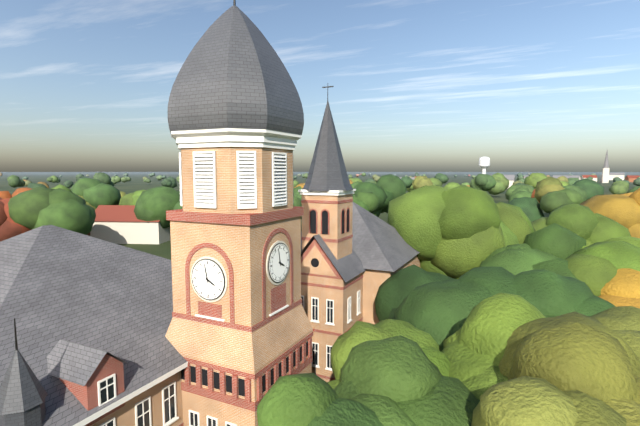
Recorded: {"hour": 3, "minute": 58}
